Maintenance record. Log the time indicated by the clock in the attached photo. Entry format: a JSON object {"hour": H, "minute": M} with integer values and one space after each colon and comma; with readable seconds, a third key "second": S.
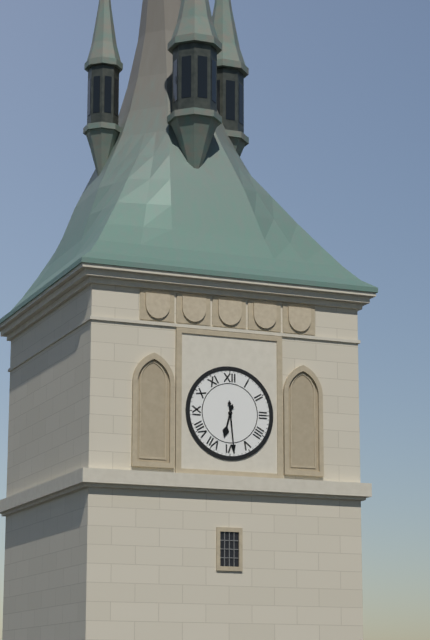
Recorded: {"hour": 6, "minute": 29}
